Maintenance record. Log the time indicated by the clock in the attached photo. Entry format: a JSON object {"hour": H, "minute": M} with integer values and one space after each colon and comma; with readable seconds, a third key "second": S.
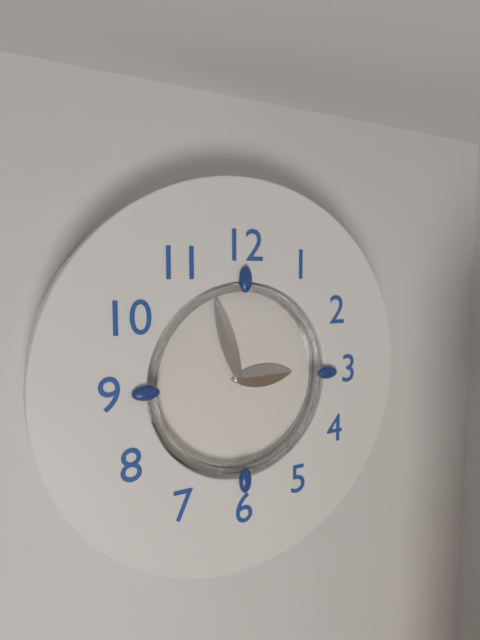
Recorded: {"hour": 2, "minute": 57}
